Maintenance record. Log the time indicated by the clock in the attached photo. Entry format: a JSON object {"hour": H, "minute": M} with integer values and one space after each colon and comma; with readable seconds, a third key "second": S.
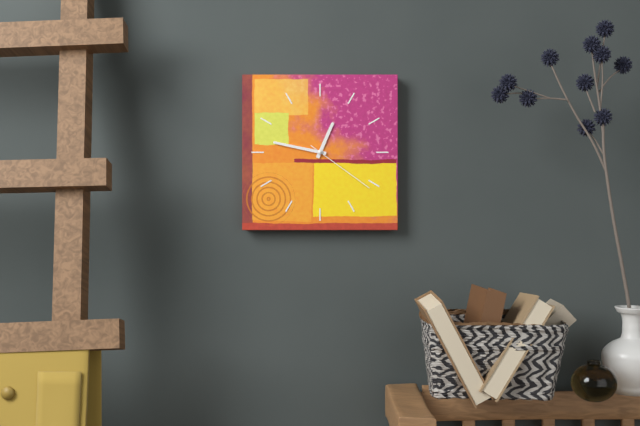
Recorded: {"hour": 12, "minute": 47, "second": 21}
